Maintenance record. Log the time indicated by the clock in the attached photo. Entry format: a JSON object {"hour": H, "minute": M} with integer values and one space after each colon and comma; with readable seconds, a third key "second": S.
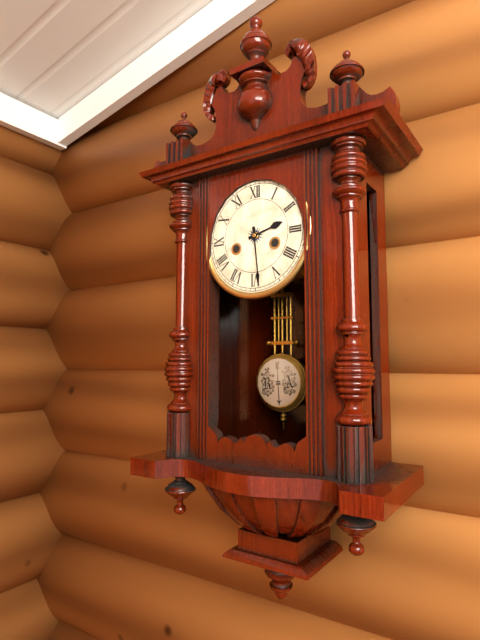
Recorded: {"hour": 2, "minute": 29}
